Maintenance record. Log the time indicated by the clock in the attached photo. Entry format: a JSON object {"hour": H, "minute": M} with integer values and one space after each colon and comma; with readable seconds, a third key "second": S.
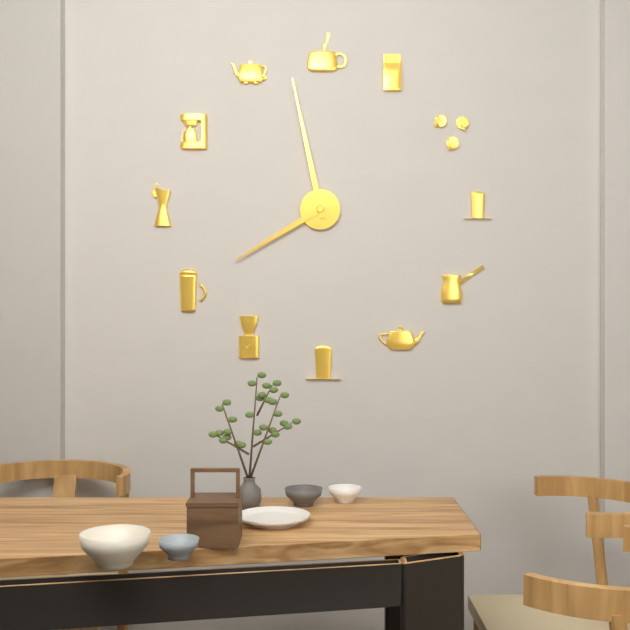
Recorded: {"hour": 7, "minute": 58}
